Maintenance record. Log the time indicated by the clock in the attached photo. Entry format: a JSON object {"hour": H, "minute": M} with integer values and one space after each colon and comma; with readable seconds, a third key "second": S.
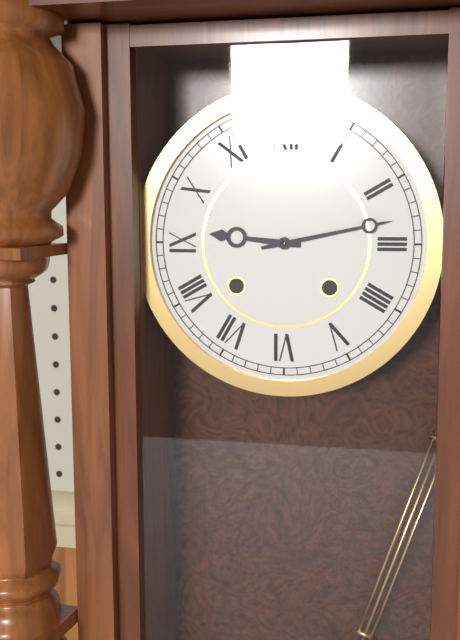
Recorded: {"hour": 9, "minute": 13}
